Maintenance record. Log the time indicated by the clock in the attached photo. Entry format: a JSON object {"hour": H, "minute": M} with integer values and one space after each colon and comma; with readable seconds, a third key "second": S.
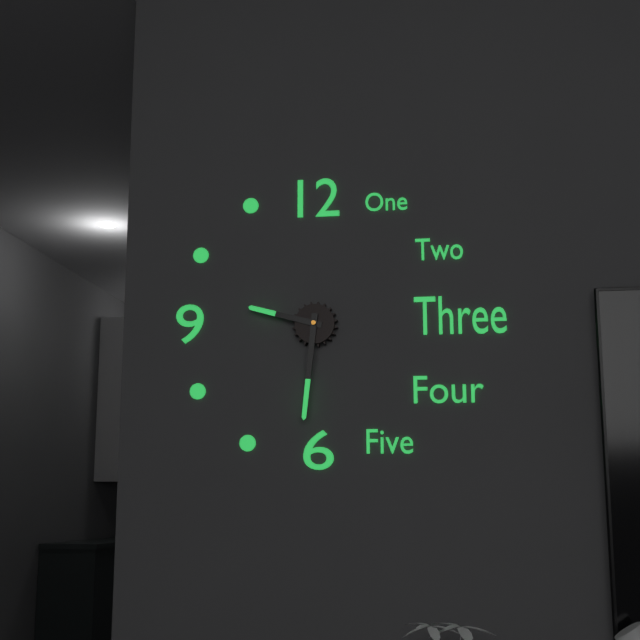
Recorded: {"hour": 9, "minute": 31}
